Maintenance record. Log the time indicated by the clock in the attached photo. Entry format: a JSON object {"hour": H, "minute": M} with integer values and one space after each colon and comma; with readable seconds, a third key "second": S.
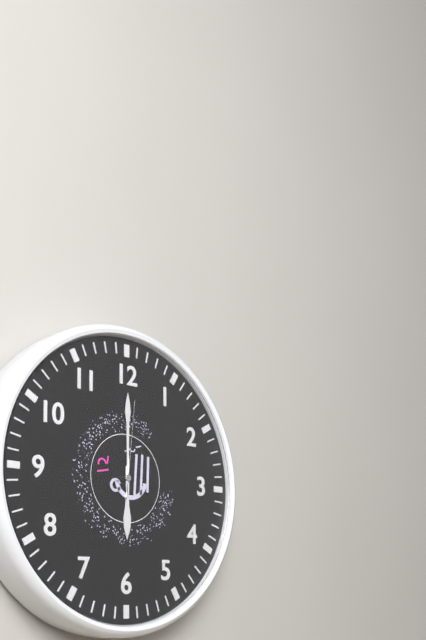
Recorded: {"hour": 6, "minute": 0, "second": 1}
